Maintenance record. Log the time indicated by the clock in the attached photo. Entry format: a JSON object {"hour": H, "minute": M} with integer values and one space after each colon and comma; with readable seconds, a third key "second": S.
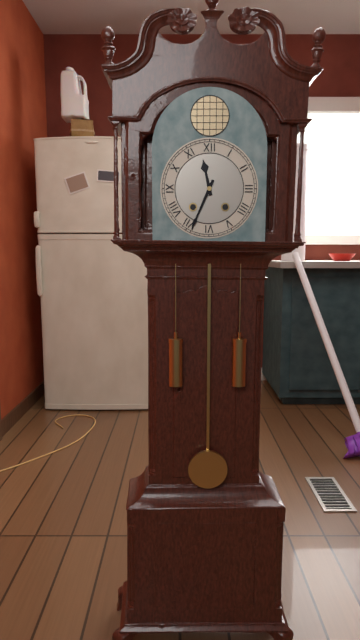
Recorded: {"hour": 11, "minute": 34}
